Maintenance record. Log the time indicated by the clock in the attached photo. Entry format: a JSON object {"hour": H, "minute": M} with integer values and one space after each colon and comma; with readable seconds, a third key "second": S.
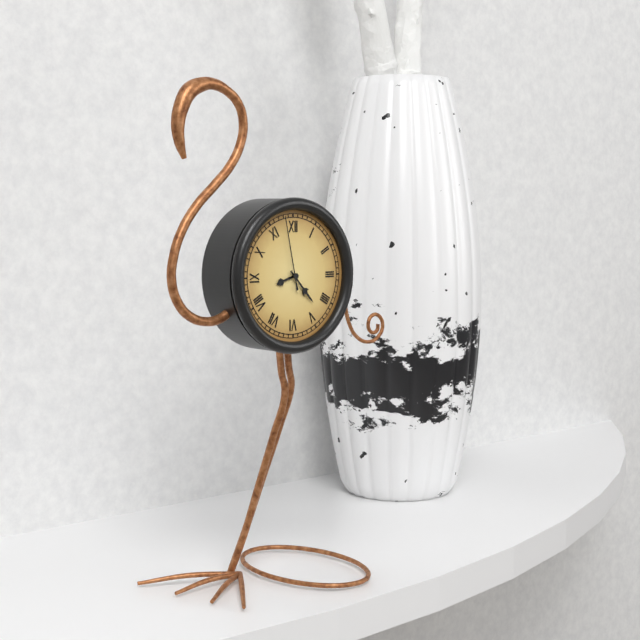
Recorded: {"hour": 8, "minute": 23, "second": 58}
